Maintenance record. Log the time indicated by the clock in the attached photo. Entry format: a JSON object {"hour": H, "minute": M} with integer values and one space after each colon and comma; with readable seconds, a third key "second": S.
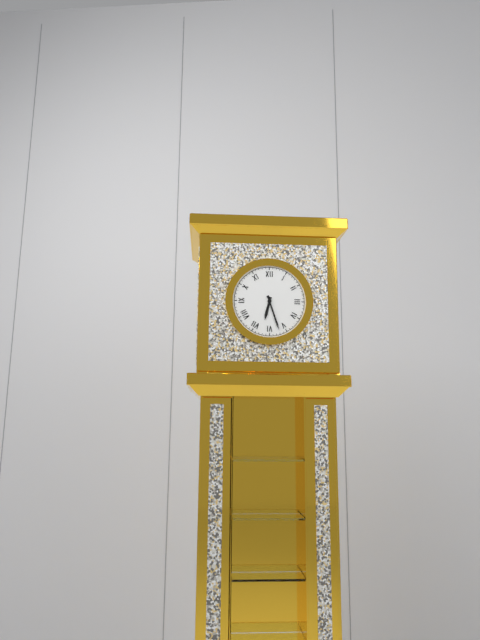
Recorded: {"hour": 6, "minute": 27}
